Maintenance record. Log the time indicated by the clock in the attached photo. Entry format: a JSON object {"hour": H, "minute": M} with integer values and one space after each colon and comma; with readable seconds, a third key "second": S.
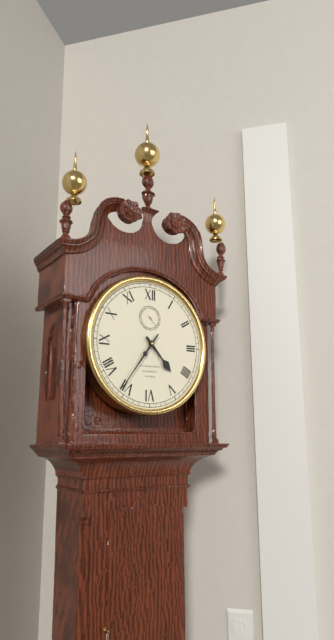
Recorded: {"hour": 4, "minute": 36}
